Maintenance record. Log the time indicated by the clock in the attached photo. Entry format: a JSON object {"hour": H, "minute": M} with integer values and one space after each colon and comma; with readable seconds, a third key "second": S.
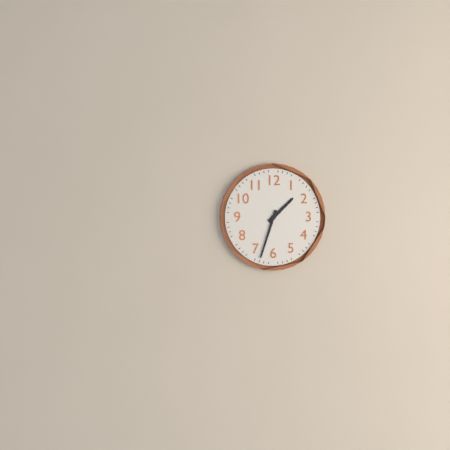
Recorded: {"hour": 1, "minute": 33}
